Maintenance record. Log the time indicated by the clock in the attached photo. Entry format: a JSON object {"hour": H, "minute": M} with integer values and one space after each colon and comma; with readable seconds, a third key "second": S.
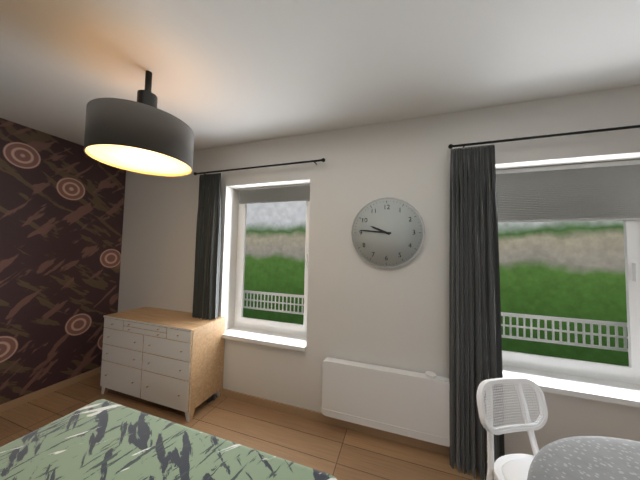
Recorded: {"hour": 9, "minute": 46}
